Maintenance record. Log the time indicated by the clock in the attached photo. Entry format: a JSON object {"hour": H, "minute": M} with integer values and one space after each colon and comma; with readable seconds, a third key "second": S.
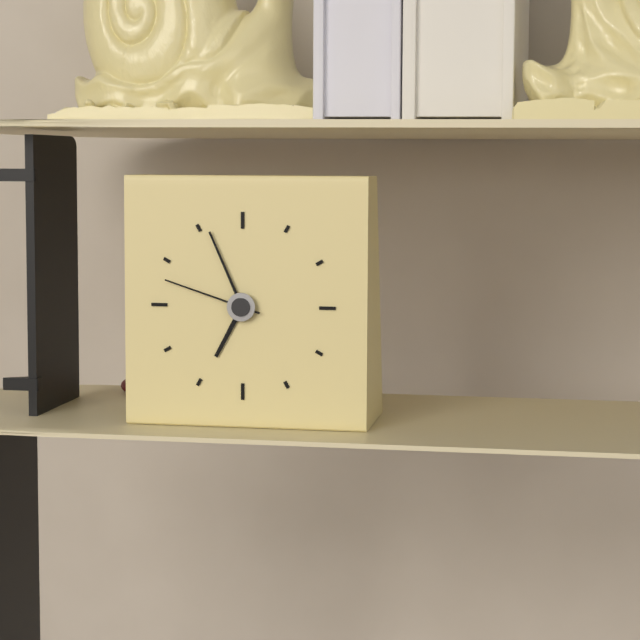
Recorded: {"hour": 6, "minute": 56, "second": 48}
